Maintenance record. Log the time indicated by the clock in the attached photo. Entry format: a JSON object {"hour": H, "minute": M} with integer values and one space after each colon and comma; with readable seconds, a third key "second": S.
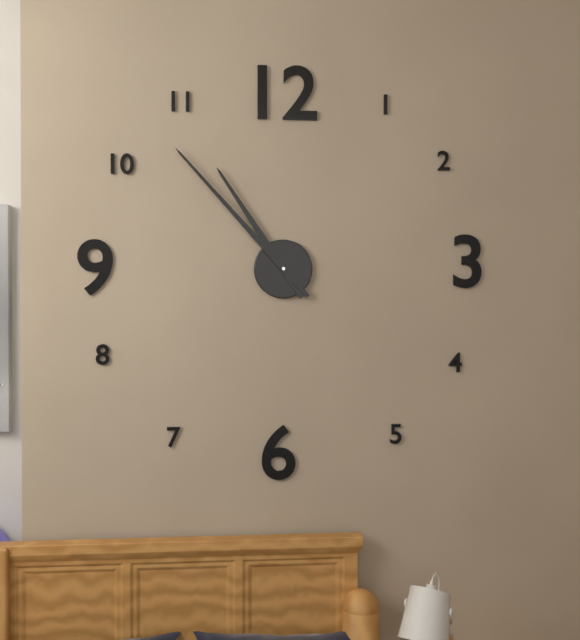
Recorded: {"hour": 10, "minute": 53}
